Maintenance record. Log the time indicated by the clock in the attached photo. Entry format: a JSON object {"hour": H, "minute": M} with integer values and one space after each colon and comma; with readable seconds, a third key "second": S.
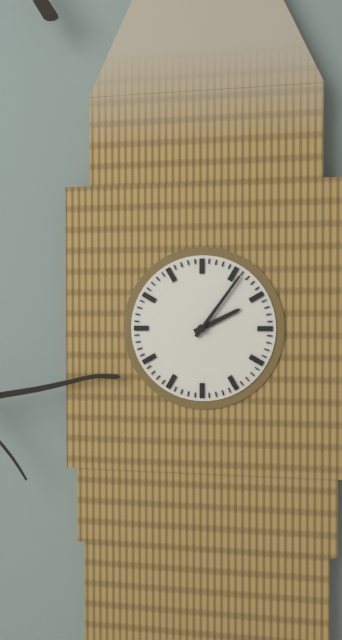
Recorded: {"hour": 2, "minute": 6}
